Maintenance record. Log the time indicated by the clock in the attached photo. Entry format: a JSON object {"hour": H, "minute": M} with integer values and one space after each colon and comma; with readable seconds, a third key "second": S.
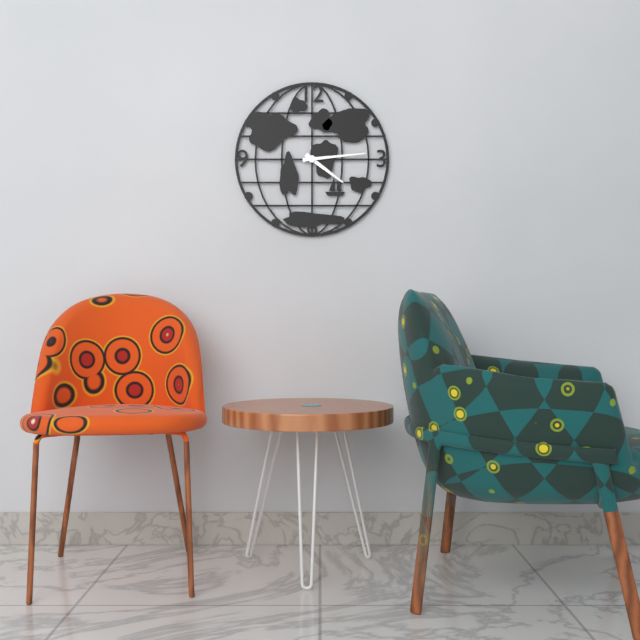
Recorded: {"hour": 4, "minute": 14}
